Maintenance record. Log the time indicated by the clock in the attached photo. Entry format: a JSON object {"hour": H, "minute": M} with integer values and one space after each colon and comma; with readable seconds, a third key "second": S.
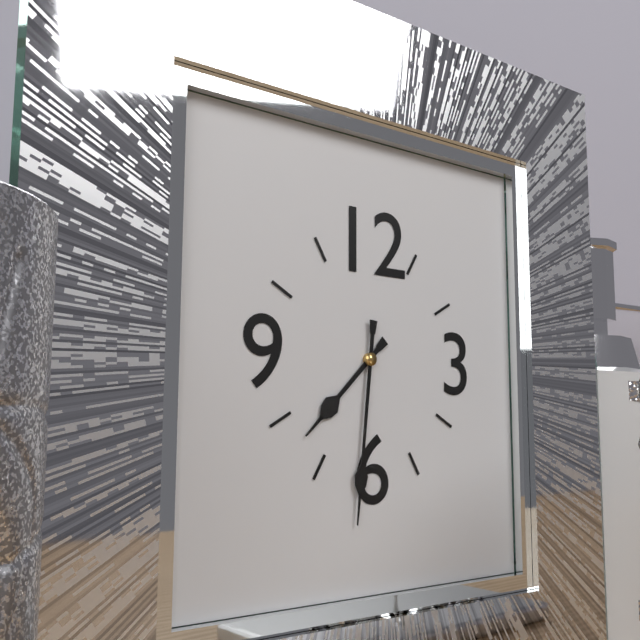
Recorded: {"hour": 7, "minute": 31}
